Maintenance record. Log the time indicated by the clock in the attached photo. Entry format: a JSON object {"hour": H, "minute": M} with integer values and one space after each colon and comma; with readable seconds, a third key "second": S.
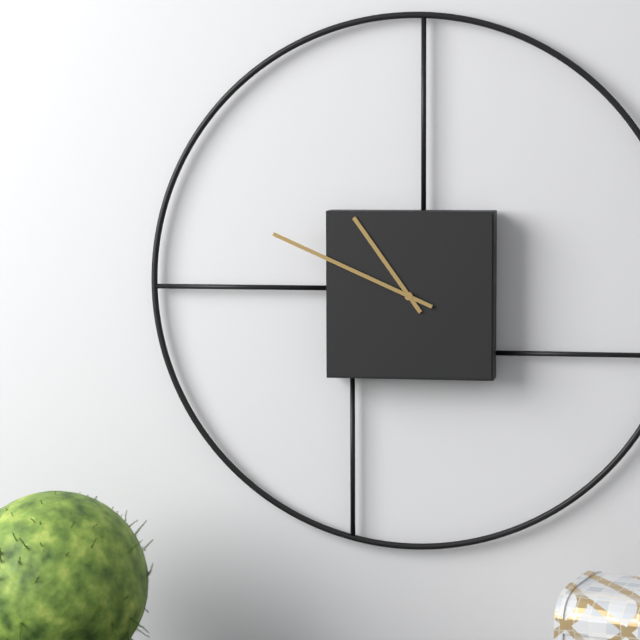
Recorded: {"hour": 10, "minute": 49}
